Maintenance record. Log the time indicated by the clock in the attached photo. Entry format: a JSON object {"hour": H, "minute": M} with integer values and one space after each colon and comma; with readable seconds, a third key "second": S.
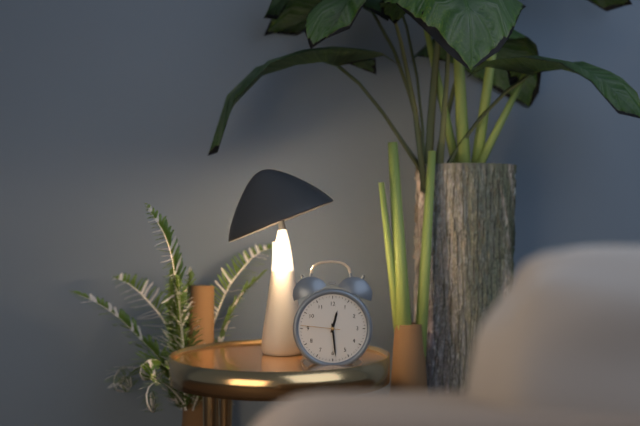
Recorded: {"hour": 12, "minute": 29}
